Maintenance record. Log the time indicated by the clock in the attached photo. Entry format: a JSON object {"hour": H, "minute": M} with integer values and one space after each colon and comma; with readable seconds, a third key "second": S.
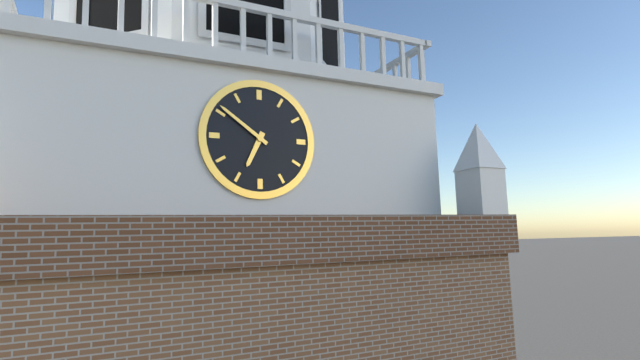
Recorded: {"hour": 6, "minute": 51}
